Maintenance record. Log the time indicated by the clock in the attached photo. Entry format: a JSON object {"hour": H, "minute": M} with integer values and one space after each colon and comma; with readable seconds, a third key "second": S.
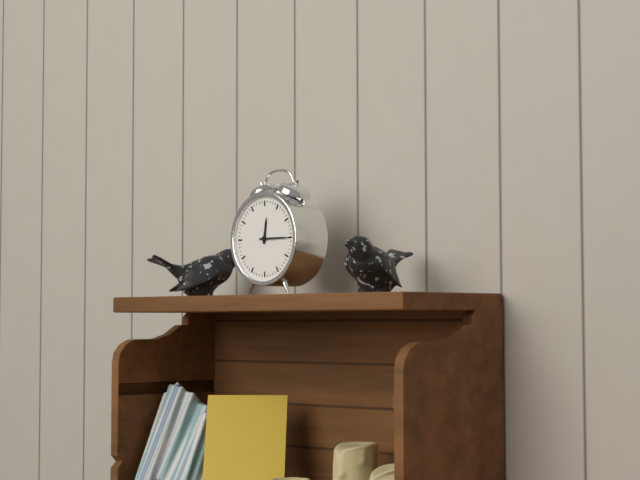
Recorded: {"hour": 12, "minute": 15}
